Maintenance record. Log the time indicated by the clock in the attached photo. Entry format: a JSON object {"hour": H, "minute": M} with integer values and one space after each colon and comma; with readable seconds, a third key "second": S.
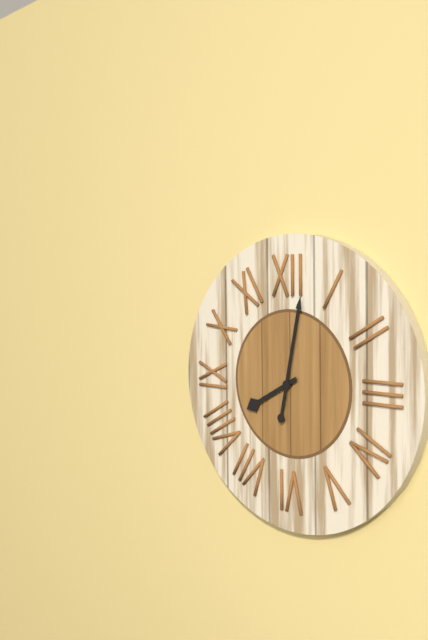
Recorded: {"hour": 8, "minute": 2}
